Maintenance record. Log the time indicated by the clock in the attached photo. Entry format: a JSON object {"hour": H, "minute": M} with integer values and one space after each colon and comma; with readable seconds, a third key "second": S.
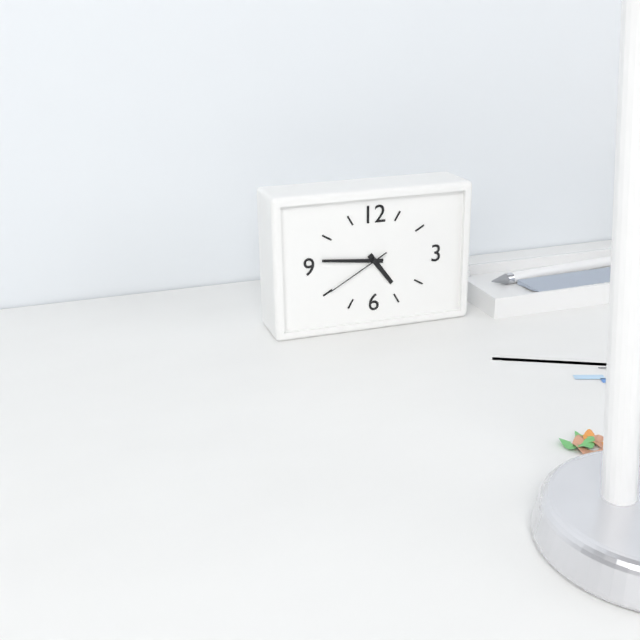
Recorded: {"hour": 4, "minute": 46, "second": 40}
